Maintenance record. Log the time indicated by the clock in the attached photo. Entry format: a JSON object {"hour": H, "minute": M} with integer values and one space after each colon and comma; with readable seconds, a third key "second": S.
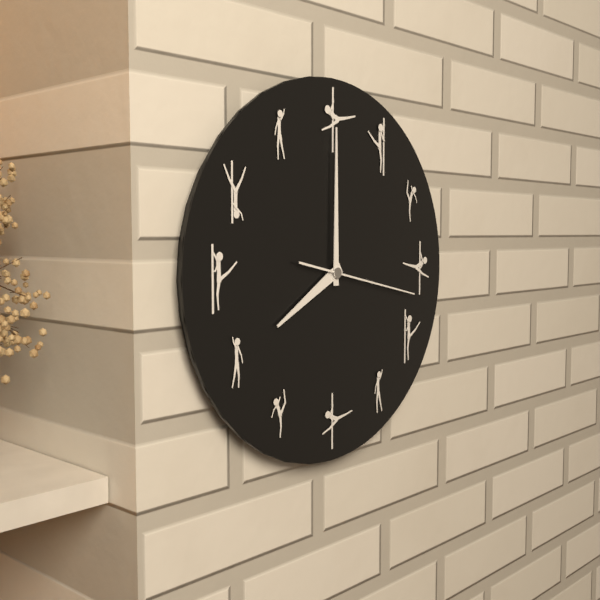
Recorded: {"hour": 8, "minute": 0, "second": 17}
